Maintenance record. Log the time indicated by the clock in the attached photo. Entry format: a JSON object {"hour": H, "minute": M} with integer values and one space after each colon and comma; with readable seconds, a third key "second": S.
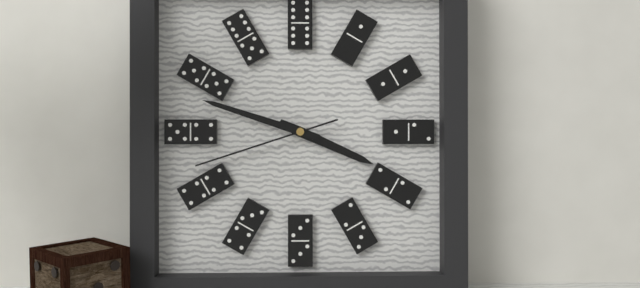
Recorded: {"hour": 3, "minute": 48, "second": 42}
